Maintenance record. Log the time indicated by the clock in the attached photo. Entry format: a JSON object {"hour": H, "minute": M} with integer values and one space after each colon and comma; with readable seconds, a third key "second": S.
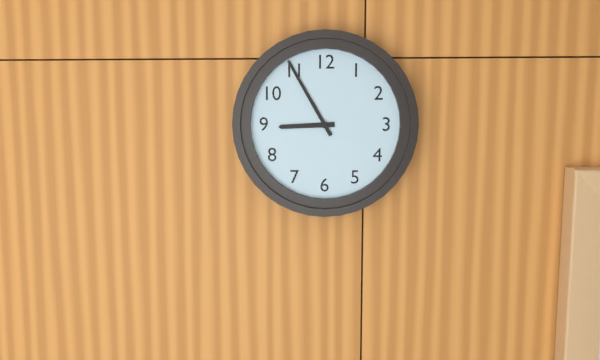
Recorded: {"hour": 8, "minute": 55}
